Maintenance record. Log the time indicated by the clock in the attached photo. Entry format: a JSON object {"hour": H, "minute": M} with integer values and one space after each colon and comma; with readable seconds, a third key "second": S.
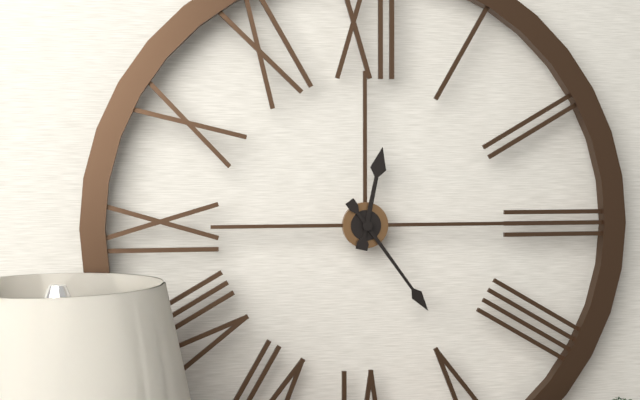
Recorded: {"hour": 12, "minute": 24}
